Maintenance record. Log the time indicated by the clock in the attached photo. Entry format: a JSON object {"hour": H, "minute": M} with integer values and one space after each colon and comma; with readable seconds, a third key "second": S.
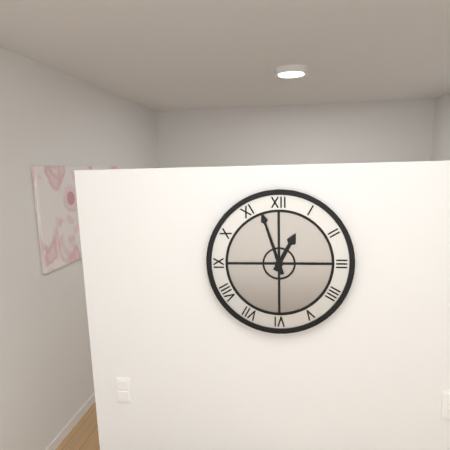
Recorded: {"hour": 12, "minute": 57}
